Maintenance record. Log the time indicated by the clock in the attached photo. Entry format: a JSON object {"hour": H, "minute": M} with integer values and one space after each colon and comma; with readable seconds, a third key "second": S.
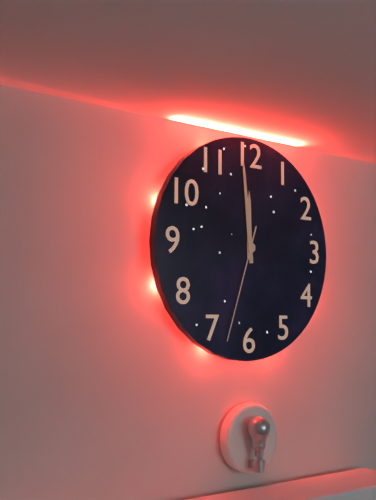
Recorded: {"hour": 11, "minute": 59, "second": 33}
